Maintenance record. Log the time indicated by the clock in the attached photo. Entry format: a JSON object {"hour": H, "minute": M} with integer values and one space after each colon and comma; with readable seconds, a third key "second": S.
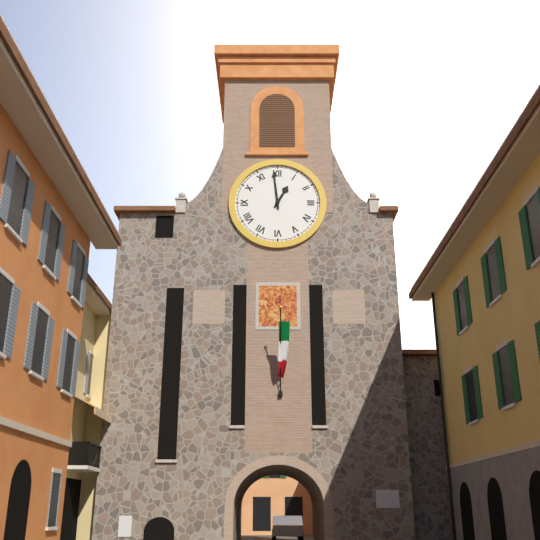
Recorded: {"hour": 12, "minute": 59}
